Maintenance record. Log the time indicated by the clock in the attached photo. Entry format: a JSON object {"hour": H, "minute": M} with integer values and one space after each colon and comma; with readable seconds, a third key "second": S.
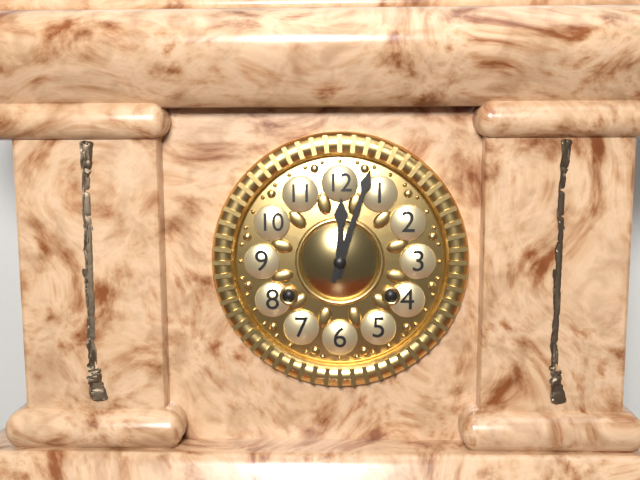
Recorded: {"hour": 12, "minute": 3}
